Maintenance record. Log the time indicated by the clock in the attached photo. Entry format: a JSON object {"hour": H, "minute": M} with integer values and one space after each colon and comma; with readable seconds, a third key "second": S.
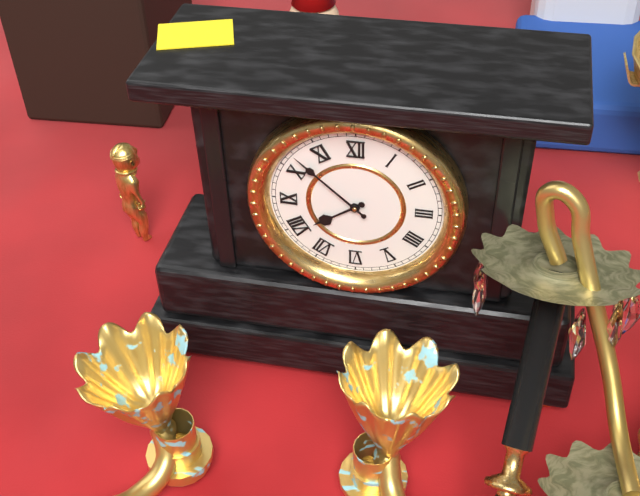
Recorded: {"hour": 7, "minute": 52}
